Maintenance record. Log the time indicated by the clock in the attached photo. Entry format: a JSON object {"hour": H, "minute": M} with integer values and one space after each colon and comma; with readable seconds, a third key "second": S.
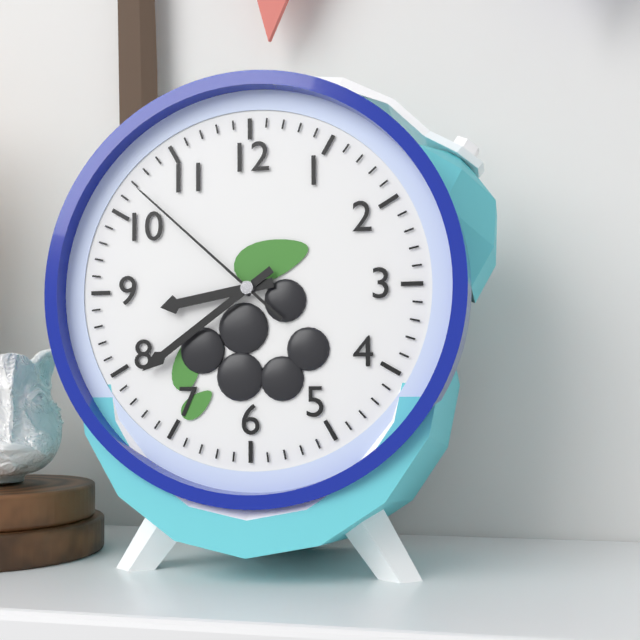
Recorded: {"hour": 8, "minute": 39, "second": 52}
